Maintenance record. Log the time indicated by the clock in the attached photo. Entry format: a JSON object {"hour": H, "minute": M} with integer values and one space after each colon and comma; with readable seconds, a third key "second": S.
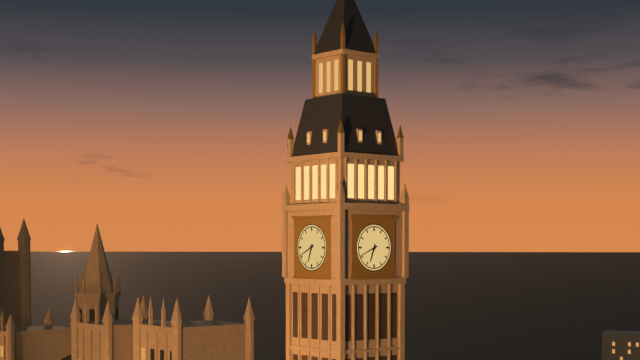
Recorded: {"hour": 6, "minute": 41}
